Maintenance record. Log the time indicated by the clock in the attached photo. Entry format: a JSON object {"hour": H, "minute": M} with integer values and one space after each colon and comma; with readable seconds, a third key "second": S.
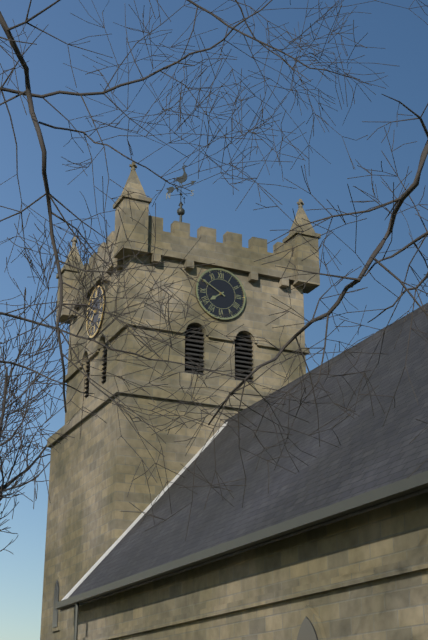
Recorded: {"hour": 7, "minute": 50}
